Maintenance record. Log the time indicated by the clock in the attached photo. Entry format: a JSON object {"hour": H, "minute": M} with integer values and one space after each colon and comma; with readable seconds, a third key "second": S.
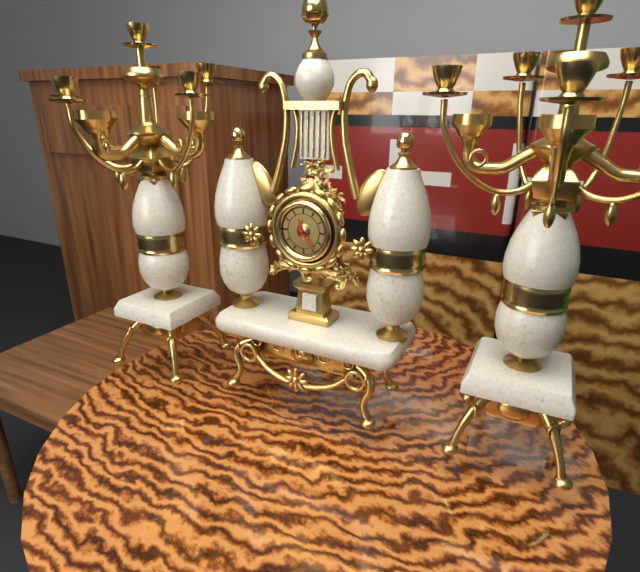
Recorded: {"hour": 11, "minute": 24}
